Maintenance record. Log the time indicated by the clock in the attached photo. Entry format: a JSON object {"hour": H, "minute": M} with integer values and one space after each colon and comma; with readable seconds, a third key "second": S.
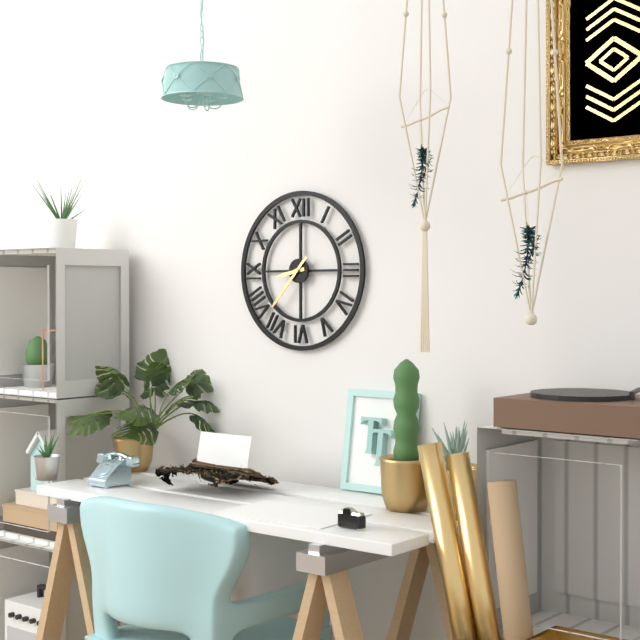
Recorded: {"hour": 8, "minute": 37}
